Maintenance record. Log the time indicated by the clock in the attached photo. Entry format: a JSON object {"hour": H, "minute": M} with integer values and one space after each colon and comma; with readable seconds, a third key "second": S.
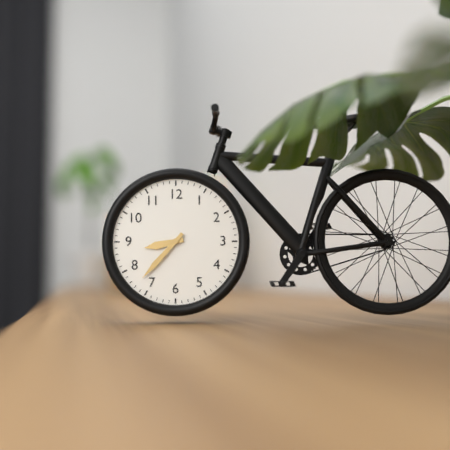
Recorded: {"hour": 8, "minute": 37}
